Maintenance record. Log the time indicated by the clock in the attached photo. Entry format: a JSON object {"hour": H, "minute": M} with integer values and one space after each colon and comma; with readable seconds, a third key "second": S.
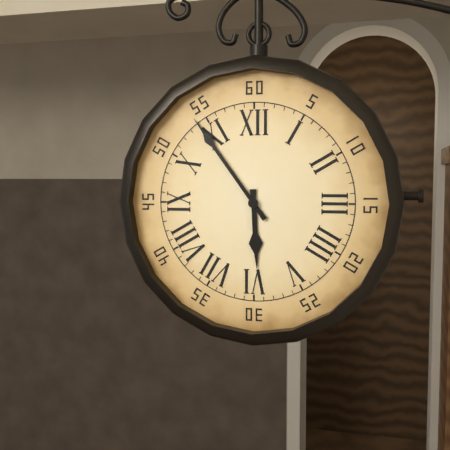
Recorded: {"hour": 5, "minute": 54}
